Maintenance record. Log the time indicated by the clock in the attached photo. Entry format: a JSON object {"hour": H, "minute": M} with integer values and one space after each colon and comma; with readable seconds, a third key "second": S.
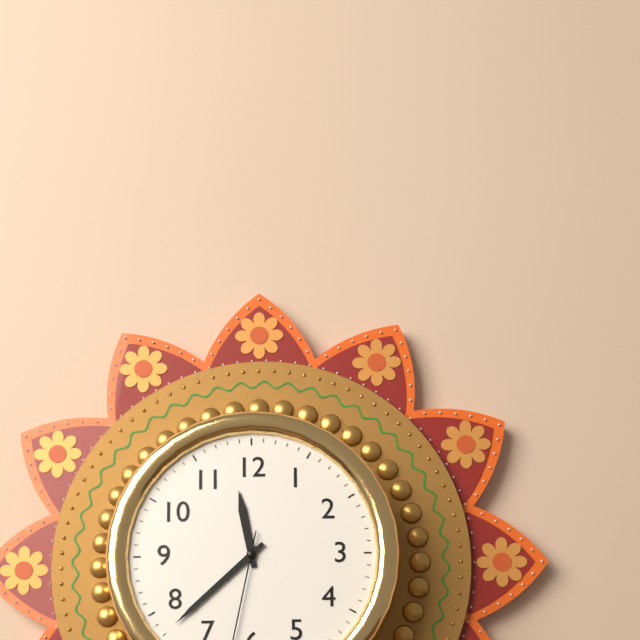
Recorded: {"hour": 11, "minute": 38}
